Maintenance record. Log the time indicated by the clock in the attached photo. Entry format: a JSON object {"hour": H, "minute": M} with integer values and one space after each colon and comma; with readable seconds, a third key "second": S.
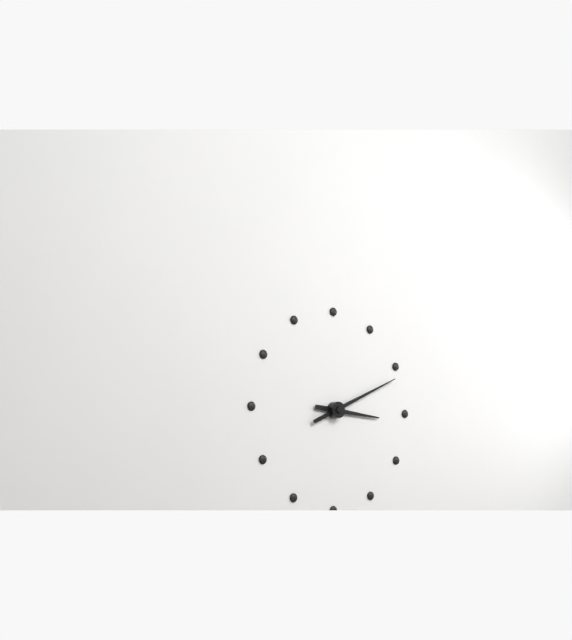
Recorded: {"hour": 3, "minute": 11}
